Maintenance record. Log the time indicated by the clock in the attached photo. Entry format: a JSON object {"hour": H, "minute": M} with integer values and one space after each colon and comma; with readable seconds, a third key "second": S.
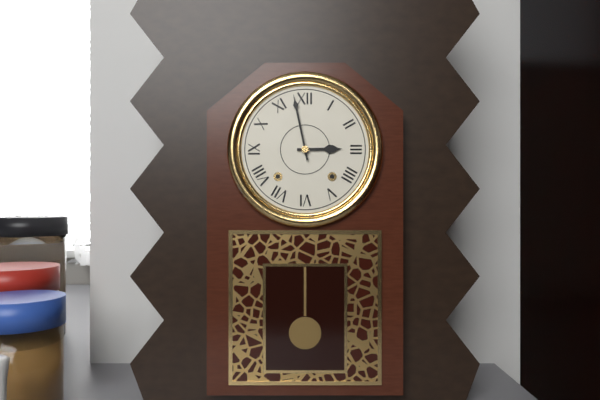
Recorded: {"hour": 2, "minute": 58}
